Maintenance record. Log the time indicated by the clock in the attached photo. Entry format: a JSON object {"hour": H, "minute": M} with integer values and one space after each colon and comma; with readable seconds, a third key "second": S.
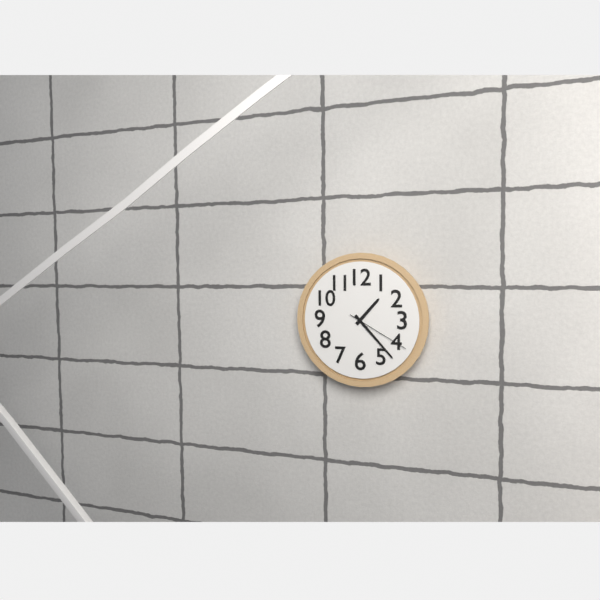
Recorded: {"hour": 1, "minute": 23, "second": 20}
